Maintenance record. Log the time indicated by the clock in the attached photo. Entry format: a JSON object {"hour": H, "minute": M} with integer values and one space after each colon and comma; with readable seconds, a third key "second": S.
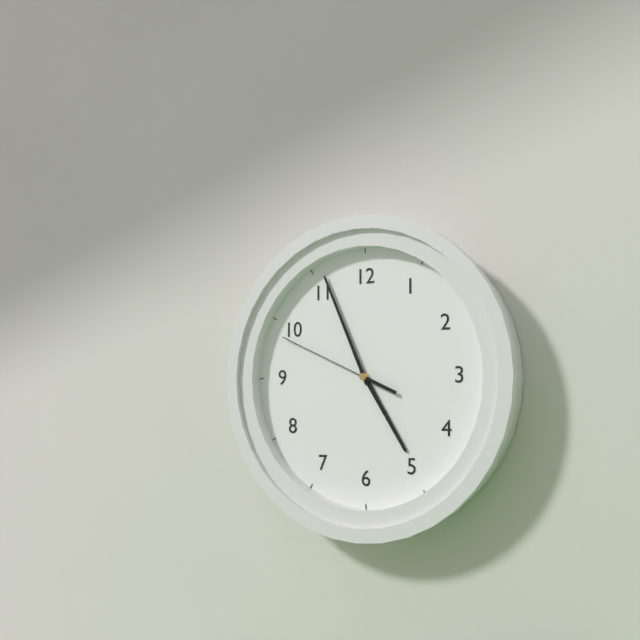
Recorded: {"hour": 4, "minute": 56, "second": 49}
